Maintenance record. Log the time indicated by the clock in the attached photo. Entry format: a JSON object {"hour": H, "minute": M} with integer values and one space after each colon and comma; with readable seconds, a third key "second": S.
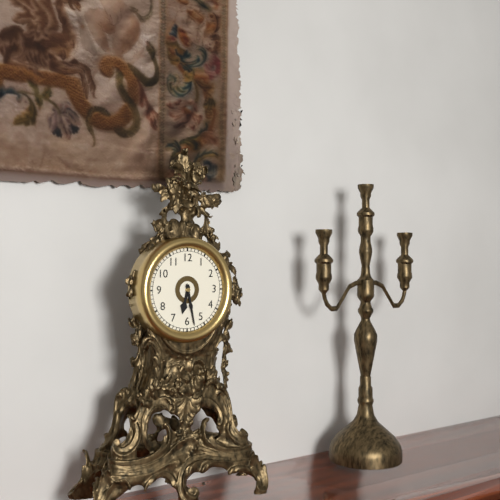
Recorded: {"hour": 6, "minute": 28}
